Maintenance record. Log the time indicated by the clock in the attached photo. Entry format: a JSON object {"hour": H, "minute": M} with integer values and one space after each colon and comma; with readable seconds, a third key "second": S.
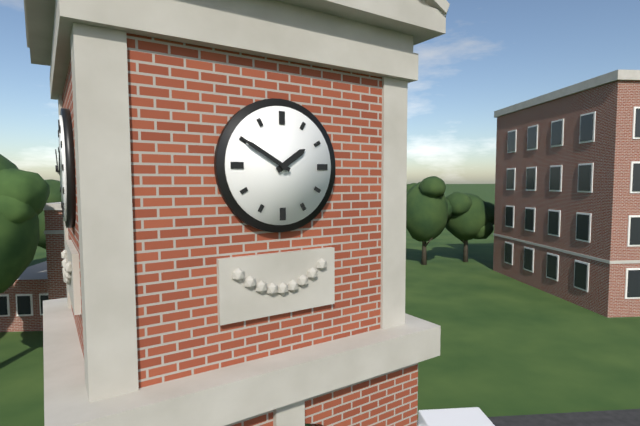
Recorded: {"hour": 1, "minute": 50}
